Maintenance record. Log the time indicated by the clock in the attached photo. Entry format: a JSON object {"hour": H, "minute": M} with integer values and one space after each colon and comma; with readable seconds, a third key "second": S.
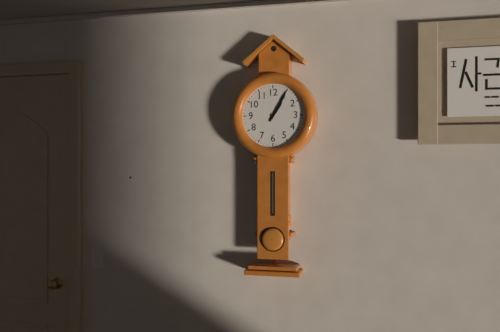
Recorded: {"hour": 1, "minute": 5}
